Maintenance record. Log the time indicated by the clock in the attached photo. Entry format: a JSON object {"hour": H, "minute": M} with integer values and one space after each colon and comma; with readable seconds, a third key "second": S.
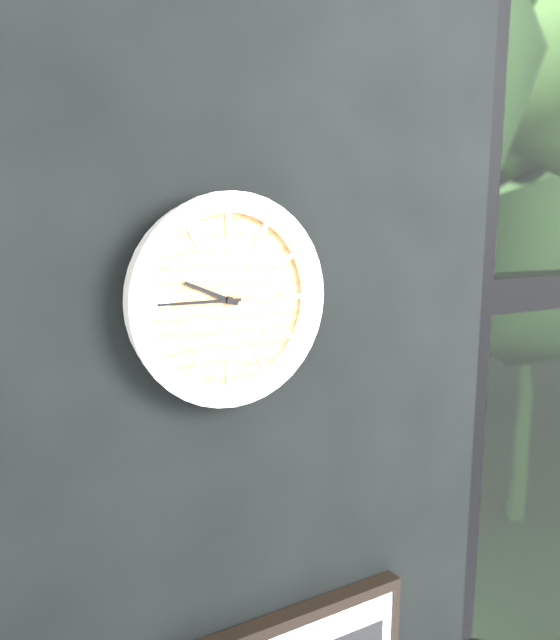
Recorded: {"hour": 9, "minute": 45}
